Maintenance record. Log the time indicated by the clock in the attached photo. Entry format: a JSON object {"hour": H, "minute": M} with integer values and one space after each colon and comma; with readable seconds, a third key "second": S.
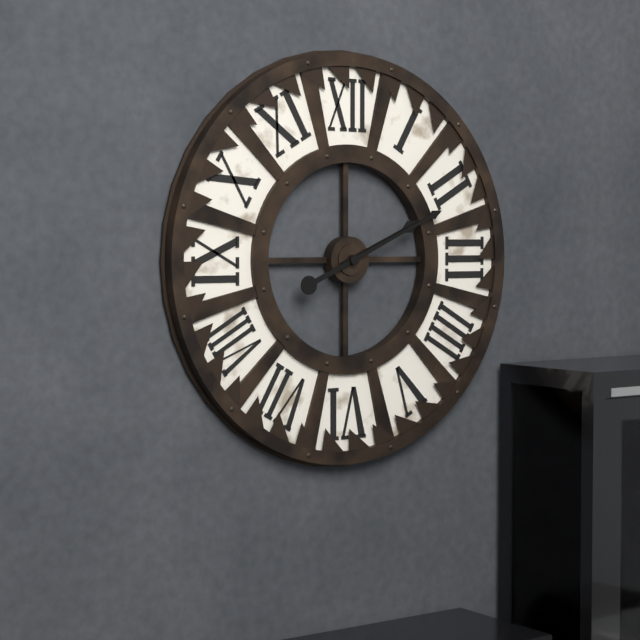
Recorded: {"hour": 2, "minute": 11}
